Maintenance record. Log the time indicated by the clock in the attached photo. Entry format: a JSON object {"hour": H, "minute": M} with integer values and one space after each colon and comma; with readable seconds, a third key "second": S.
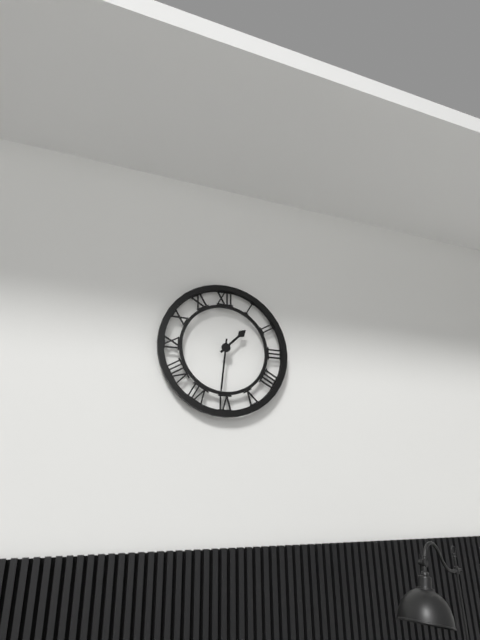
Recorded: {"hour": 1, "minute": 31}
